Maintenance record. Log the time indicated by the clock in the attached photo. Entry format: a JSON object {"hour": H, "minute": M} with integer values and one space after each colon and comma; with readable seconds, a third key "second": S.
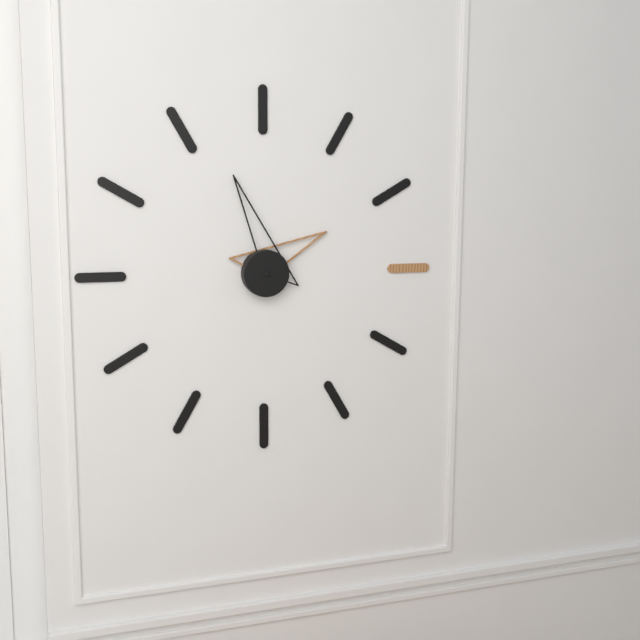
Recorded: {"hour": 1, "minute": 57}
